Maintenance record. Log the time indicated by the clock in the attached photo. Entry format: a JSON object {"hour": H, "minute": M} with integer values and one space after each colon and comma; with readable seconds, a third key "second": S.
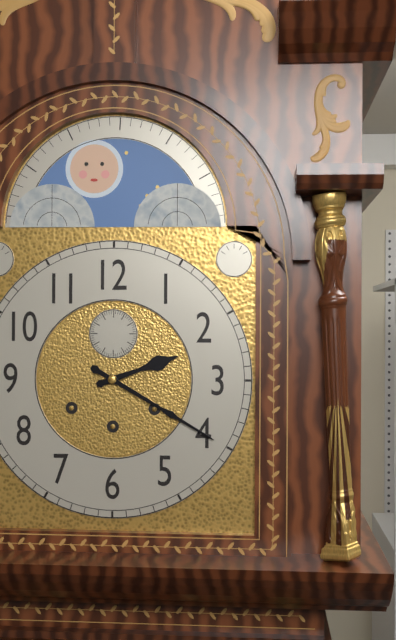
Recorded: {"hour": 2, "minute": 20}
